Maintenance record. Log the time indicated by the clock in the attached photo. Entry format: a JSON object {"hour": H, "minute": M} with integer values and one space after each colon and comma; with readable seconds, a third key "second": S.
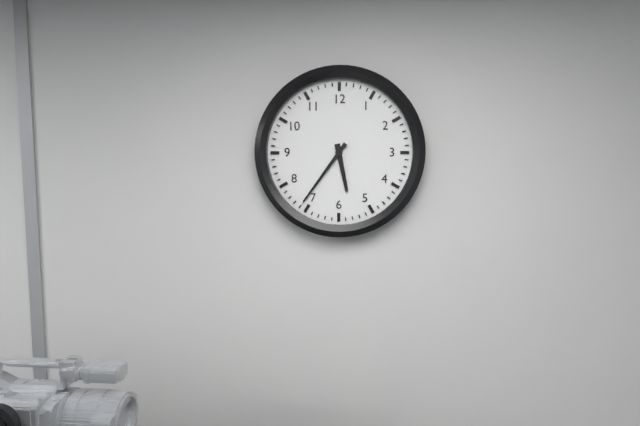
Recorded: {"hour": 5, "minute": 36}
